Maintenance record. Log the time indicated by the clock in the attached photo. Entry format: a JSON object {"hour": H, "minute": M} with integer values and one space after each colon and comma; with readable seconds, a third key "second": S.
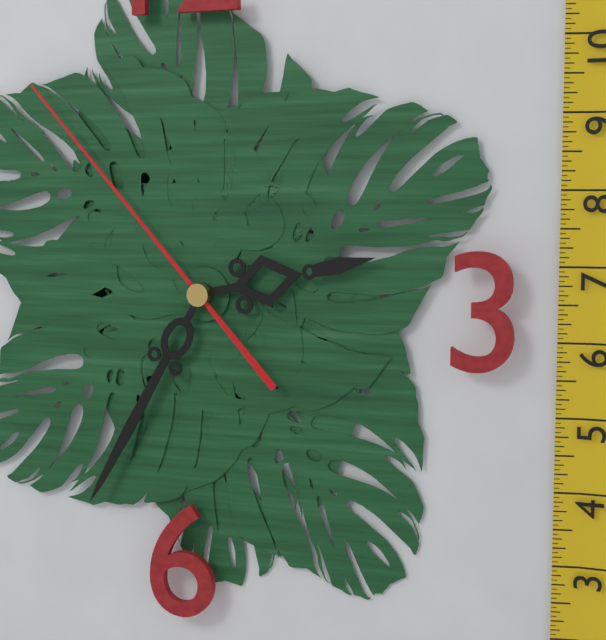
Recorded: {"hour": 2, "minute": 35, "second": 53}
